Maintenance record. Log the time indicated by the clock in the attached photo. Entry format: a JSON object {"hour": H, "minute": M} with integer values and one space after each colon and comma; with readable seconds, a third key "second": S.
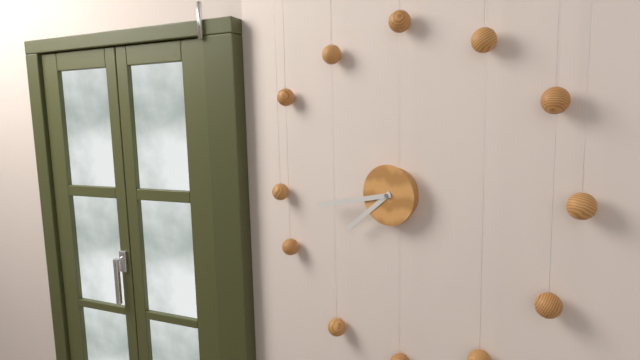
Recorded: {"hour": 7, "minute": 43}
